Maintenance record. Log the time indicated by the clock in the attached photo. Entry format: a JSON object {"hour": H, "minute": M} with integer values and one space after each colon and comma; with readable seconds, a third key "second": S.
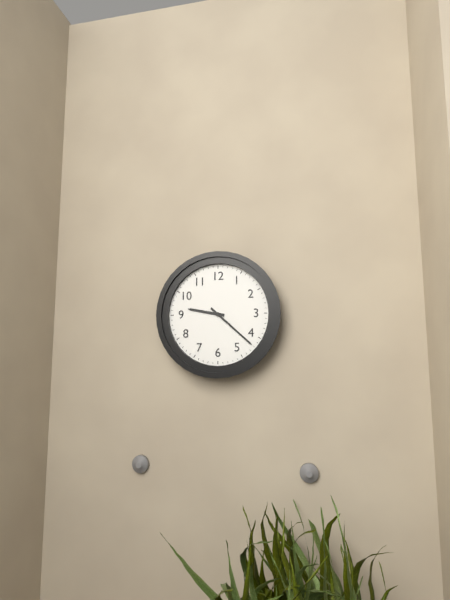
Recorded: {"hour": 9, "minute": 22}
